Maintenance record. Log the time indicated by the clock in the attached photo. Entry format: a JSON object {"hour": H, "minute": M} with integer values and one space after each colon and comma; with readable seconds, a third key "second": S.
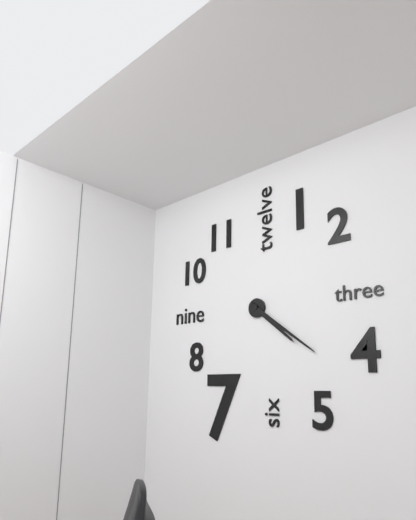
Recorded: {"hour": 4, "minute": 21}
